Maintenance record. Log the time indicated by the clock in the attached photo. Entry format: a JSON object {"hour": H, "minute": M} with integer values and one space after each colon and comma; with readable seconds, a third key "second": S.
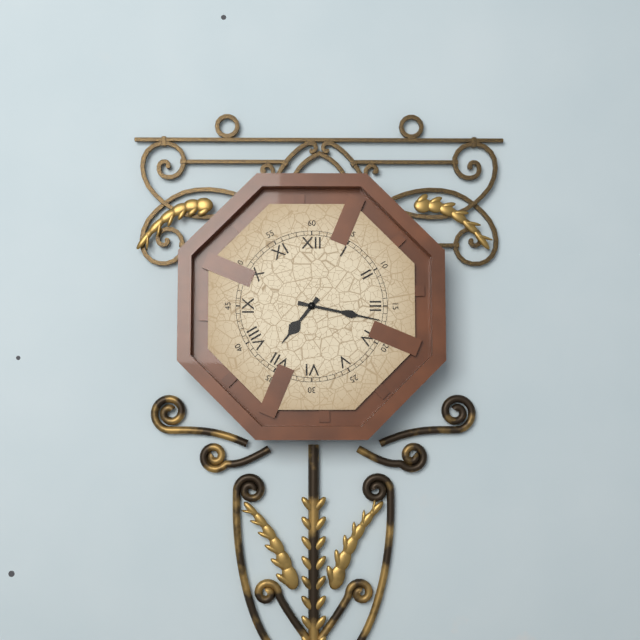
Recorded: {"hour": 7, "minute": 17}
